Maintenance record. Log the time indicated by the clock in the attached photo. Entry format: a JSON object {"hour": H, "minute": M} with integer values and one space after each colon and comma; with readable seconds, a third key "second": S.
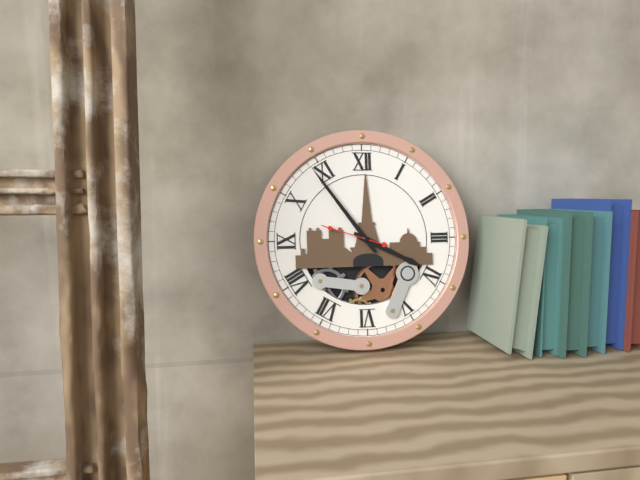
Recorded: {"hour": 3, "minute": 54, "second": 48}
